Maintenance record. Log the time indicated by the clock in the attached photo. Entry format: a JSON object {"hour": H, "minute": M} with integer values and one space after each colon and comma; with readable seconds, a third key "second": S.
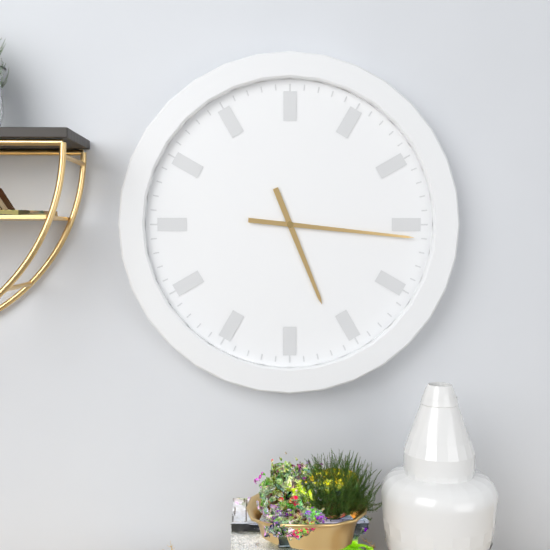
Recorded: {"hour": 5, "minute": 16}
